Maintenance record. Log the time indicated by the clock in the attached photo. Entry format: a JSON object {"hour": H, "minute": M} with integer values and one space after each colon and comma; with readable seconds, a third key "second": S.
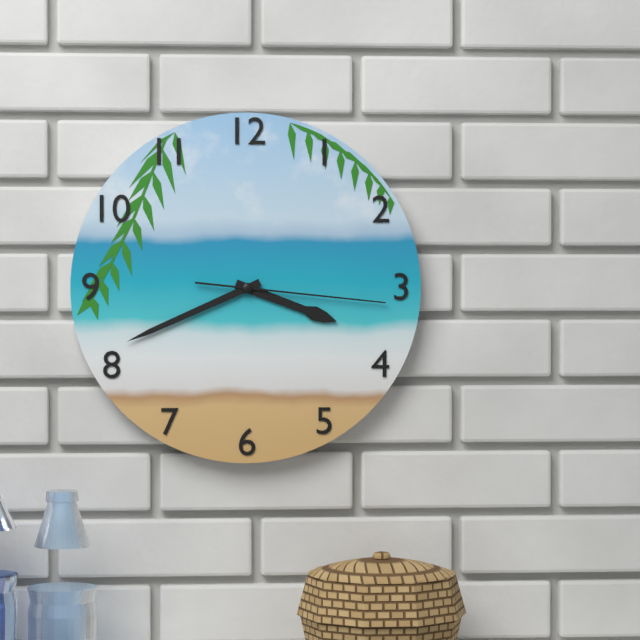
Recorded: {"hour": 3, "minute": 41, "second": 16}
